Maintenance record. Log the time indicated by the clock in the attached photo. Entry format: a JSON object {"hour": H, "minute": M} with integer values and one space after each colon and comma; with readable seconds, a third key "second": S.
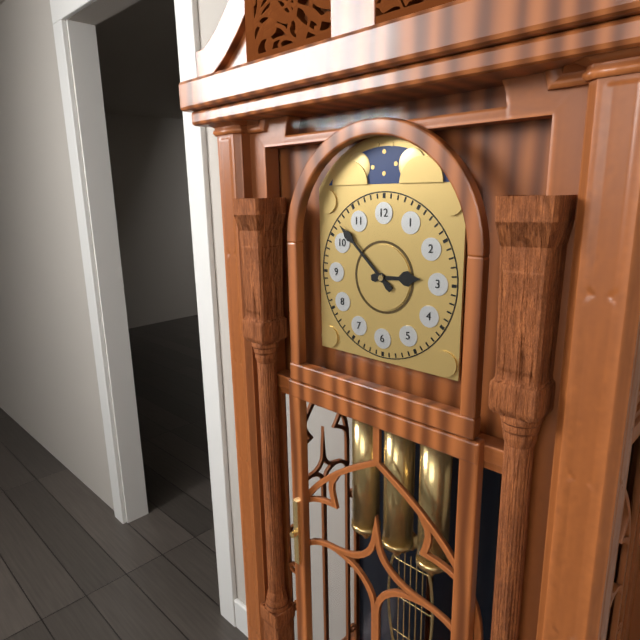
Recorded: {"hour": 2, "minute": 52}
